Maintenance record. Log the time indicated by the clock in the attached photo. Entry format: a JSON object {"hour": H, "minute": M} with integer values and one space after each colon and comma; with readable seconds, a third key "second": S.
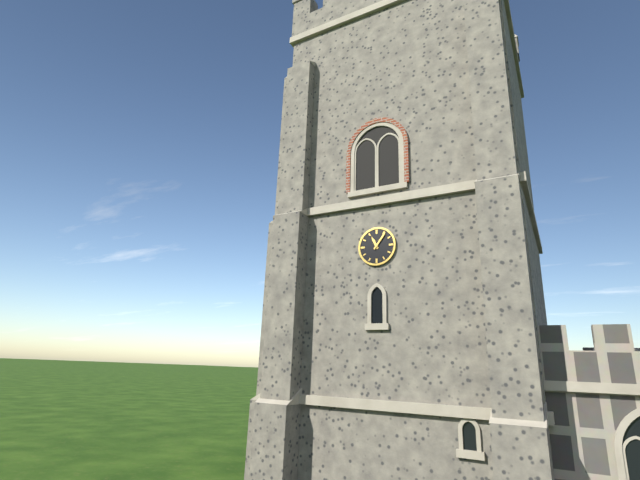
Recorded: {"hour": 11, "minute": 6}
